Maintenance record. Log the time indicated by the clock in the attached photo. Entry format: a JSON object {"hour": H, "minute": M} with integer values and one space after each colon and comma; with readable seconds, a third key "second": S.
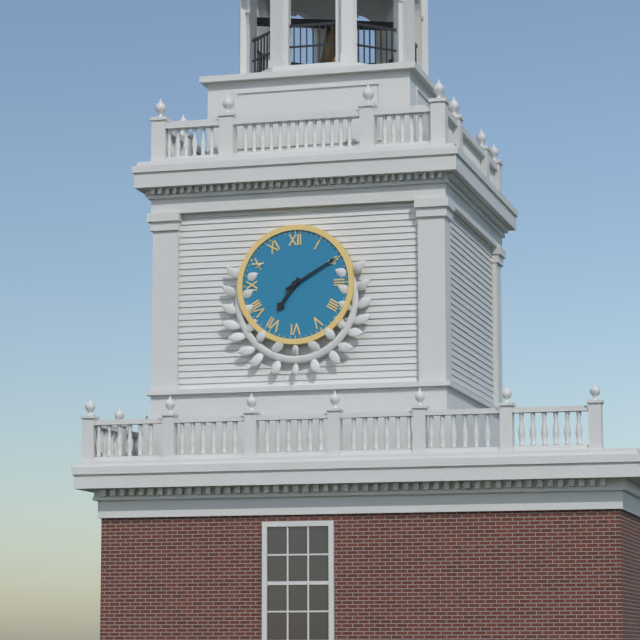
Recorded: {"hour": 7, "minute": 10}
